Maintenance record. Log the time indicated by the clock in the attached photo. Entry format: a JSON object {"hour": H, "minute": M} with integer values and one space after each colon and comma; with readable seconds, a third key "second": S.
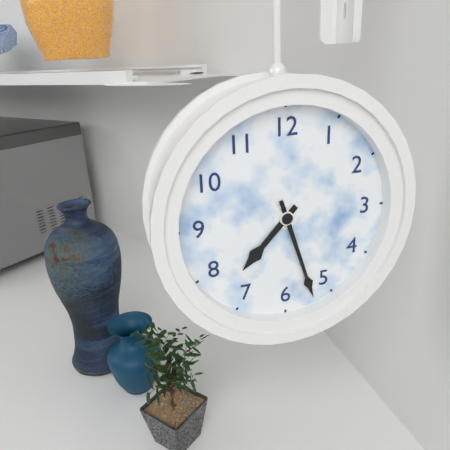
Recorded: {"hour": 7, "minute": 27}
